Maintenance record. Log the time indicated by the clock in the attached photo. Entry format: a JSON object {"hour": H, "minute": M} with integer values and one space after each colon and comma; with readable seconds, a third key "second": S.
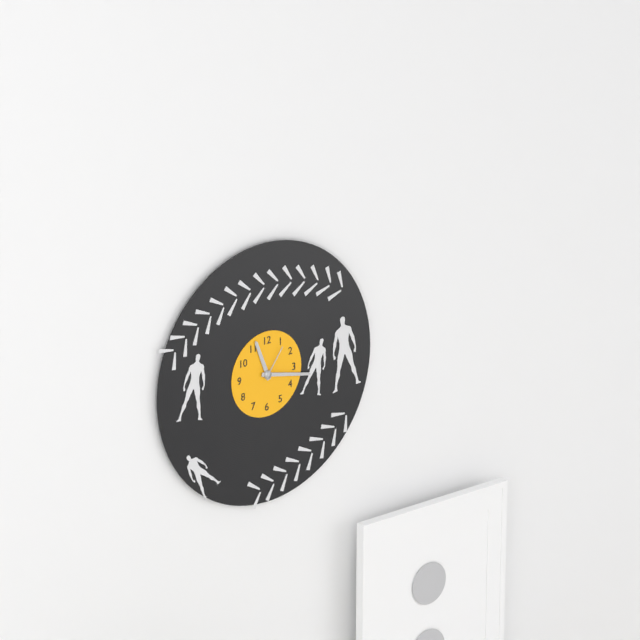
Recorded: {"hour": 11, "minute": 17}
